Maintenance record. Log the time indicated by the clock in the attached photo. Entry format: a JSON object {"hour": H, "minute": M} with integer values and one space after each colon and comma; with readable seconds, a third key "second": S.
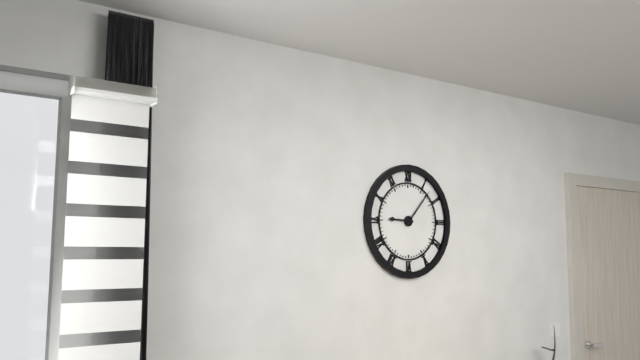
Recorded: {"hour": 9, "minute": 7}
